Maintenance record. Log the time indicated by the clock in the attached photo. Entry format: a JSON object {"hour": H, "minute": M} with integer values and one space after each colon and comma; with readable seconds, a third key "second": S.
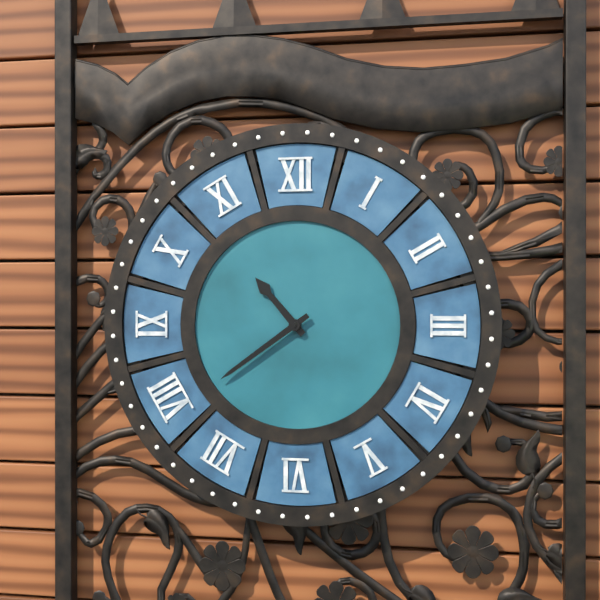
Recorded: {"hour": 10, "minute": 39}
